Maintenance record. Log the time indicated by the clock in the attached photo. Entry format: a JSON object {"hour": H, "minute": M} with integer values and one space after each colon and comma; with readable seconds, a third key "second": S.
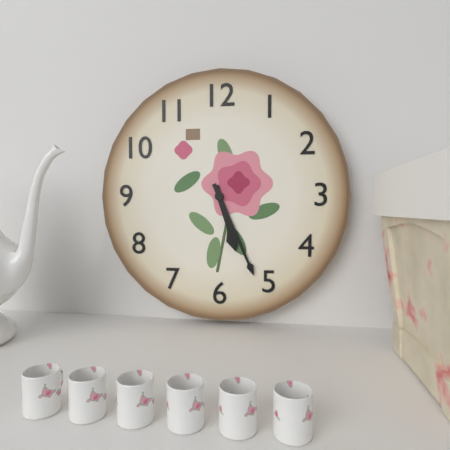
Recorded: {"hour": 5, "minute": 26}
